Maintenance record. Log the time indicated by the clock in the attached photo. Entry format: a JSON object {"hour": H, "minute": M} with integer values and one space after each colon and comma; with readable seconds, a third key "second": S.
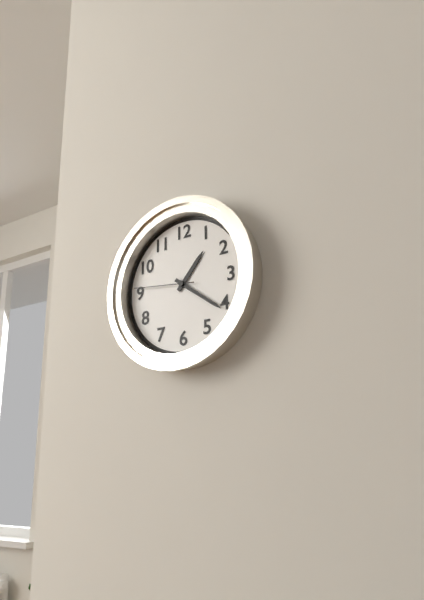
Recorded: {"hour": 1, "minute": 21, "second": 46}
